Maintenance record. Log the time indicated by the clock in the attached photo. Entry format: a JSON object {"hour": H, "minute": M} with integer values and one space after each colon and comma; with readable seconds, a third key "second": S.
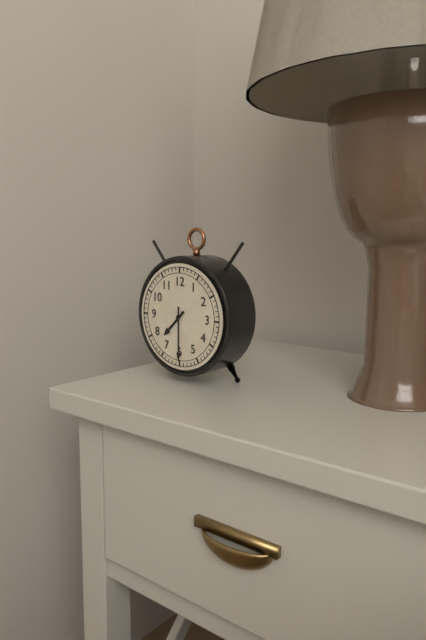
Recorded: {"hour": 7, "minute": 30}
